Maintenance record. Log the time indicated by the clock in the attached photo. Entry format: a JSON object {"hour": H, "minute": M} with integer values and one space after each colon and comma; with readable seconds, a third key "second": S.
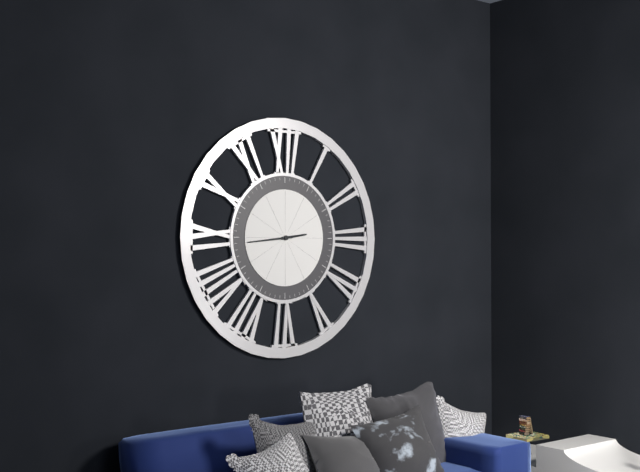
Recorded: {"hour": 2, "minute": 44}
